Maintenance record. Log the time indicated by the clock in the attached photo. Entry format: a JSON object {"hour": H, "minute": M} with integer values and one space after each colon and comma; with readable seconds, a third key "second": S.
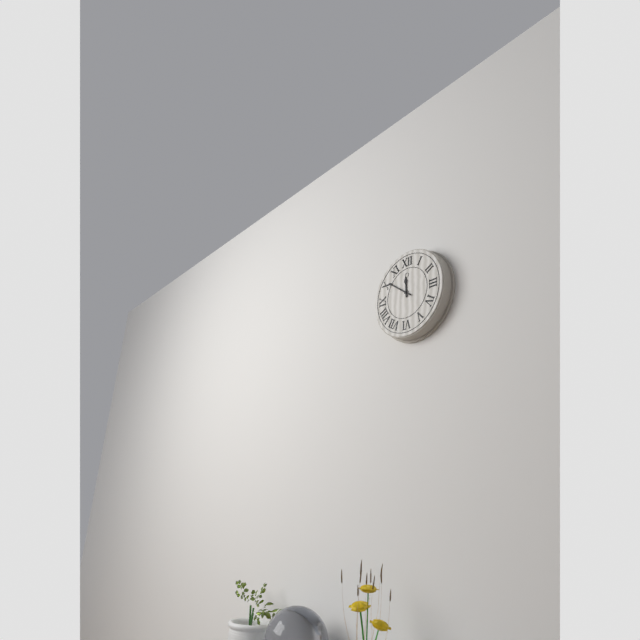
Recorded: {"hour": 11, "minute": 51}
